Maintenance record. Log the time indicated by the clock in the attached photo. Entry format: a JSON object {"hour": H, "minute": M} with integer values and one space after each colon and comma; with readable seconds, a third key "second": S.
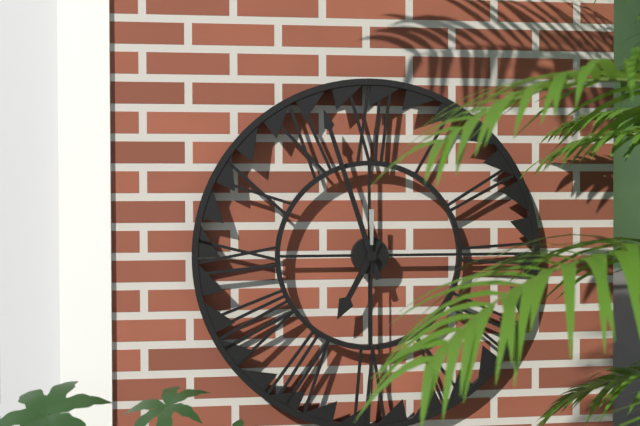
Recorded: {"hour": 6, "minute": 57, "second": 30}
